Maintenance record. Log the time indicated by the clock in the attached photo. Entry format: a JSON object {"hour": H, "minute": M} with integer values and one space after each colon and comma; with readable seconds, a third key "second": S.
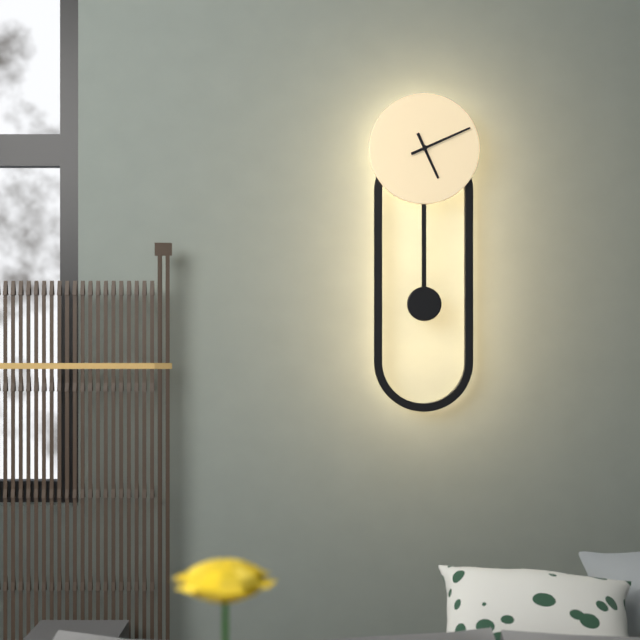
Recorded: {"hour": 5, "minute": 11}
